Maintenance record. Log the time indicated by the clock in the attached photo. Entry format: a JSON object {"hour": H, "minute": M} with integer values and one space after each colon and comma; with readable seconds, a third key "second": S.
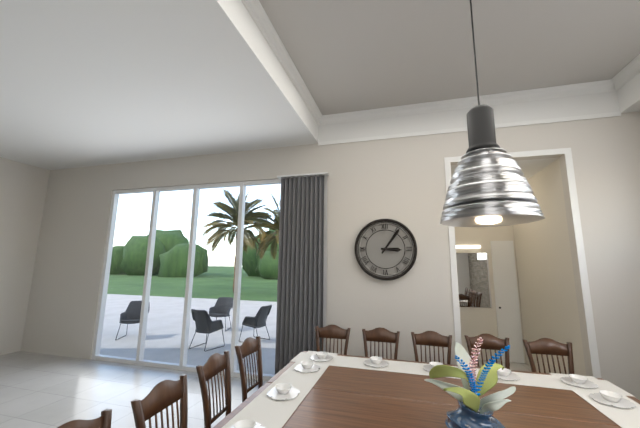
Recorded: {"hour": 3, "minute": 6}
